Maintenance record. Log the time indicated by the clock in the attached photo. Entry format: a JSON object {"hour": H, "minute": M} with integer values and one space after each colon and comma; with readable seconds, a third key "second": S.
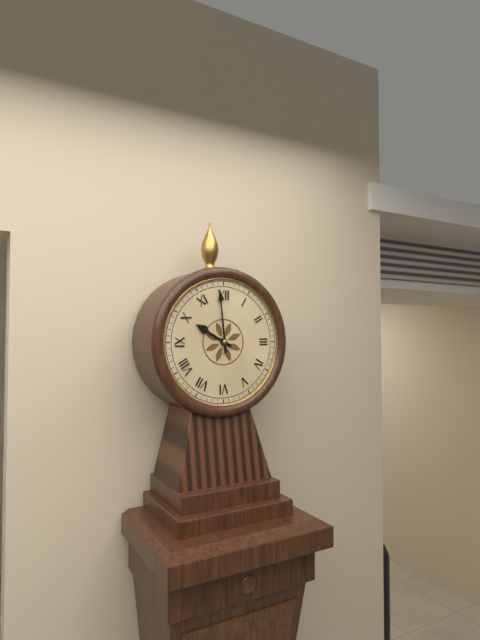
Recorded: {"hour": 9, "minute": 59}
